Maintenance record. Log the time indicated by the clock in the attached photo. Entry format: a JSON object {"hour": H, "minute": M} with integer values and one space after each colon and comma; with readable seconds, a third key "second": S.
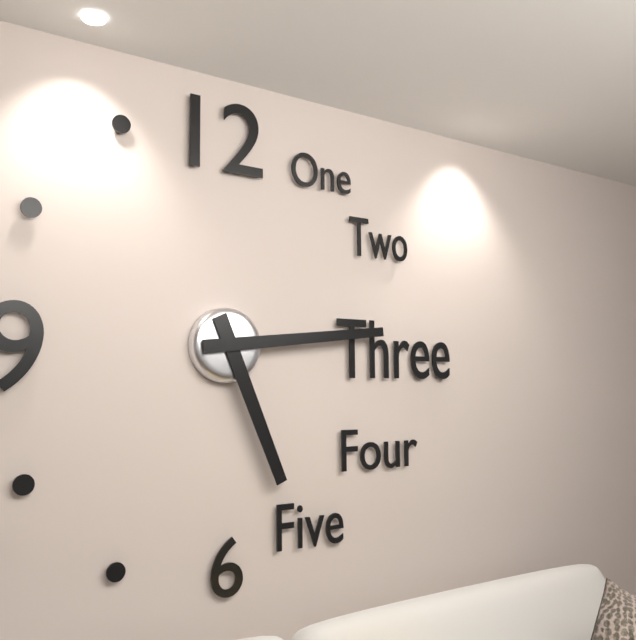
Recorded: {"hour": 5, "minute": 14}
